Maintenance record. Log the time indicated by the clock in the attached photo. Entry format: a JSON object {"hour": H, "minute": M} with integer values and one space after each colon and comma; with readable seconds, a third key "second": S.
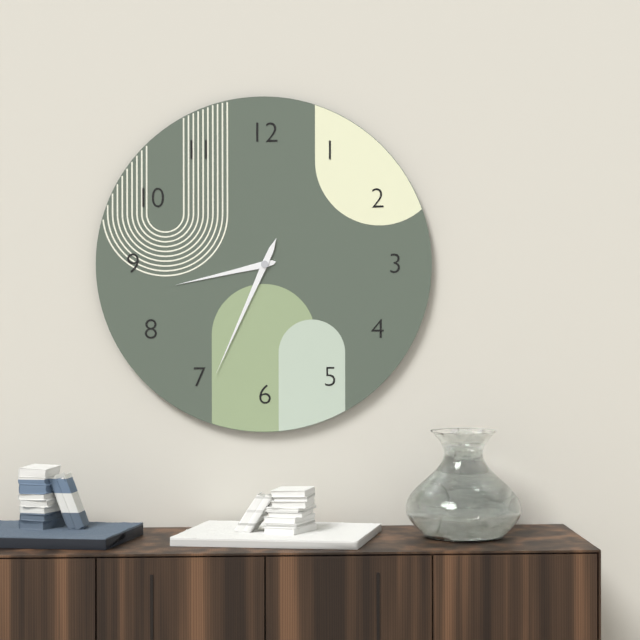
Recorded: {"hour": 8, "minute": 34}
